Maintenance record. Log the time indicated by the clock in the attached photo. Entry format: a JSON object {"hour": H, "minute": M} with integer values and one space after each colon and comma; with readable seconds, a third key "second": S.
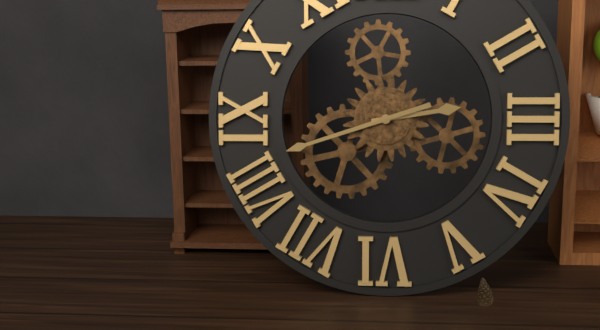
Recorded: {"hour": 2, "minute": 42}
